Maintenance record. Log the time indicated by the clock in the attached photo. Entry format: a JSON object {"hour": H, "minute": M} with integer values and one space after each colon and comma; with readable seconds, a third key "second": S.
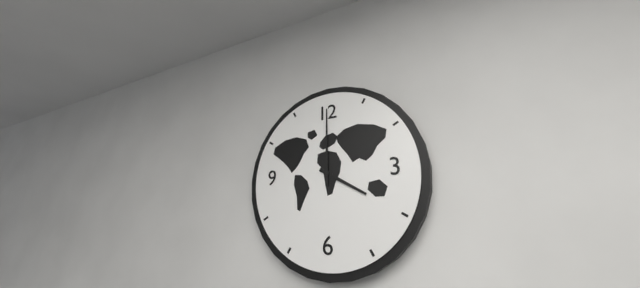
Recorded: {"hour": 4, "minute": 0}
